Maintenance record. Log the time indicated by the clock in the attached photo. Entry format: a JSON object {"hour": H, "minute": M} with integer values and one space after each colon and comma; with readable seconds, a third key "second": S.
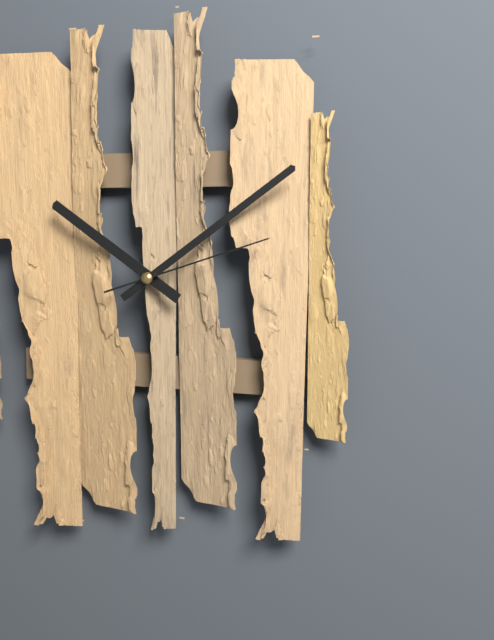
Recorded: {"hour": 10, "minute": 9, "second": 12}
